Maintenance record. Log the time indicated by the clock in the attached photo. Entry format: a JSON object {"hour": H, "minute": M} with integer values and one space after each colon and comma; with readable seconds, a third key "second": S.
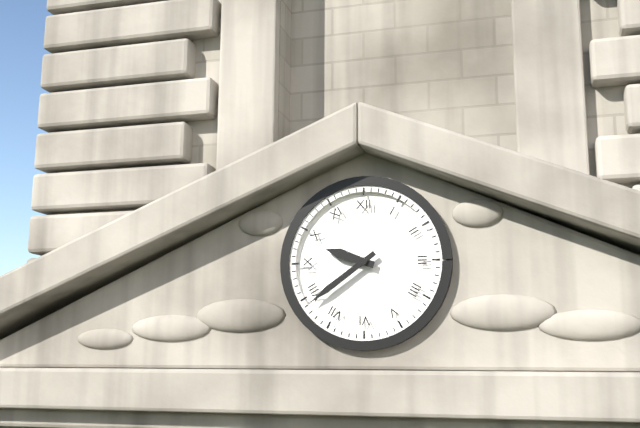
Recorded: {"hour": 9, "minute": 39}
